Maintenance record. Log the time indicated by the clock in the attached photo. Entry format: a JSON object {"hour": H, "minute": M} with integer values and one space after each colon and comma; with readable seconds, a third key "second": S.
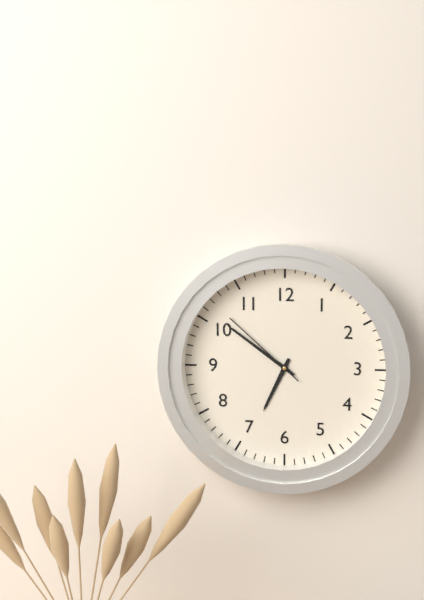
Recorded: {"hour": 6, "minute": 51, "second": 52}
